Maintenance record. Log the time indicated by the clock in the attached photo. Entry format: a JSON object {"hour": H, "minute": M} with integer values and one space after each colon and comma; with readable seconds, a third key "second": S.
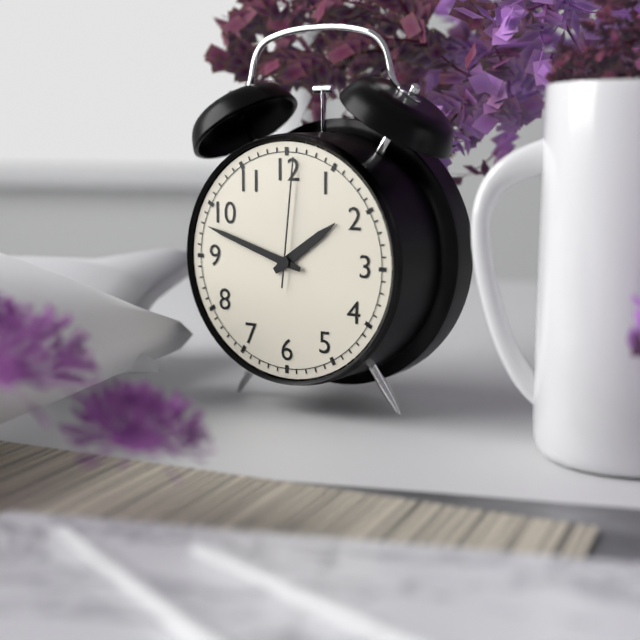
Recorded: {"hour": 1, "minute": 48, "second": 1}
